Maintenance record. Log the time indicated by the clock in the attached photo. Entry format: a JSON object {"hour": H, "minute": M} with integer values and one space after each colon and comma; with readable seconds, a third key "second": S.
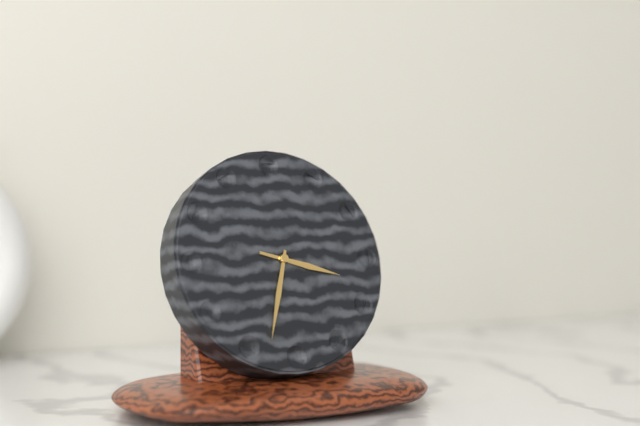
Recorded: {"hour": 3, "minute": 33}
